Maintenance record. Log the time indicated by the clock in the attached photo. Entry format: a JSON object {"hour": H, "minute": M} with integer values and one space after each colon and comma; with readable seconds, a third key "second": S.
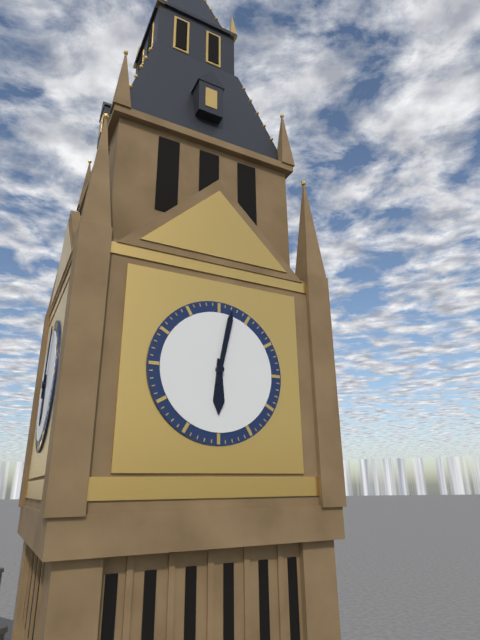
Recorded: {"hour": 6, "minute": 2}
